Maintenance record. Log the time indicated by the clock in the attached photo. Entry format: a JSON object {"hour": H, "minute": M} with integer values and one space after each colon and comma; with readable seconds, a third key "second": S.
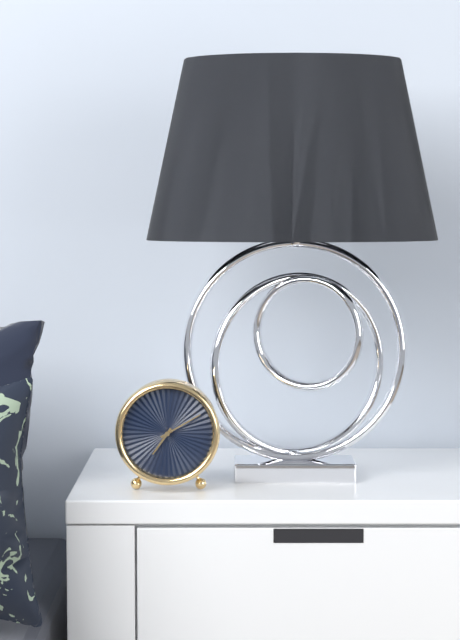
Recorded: {"hour": 7, "minute": 10}
